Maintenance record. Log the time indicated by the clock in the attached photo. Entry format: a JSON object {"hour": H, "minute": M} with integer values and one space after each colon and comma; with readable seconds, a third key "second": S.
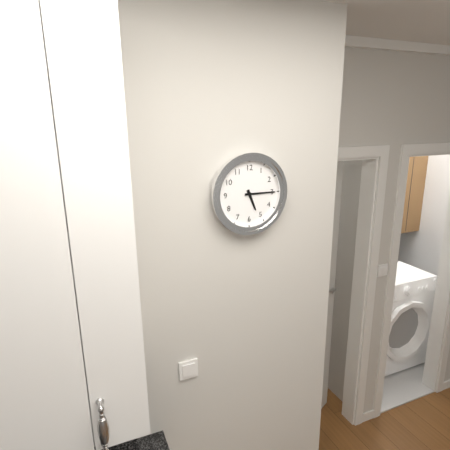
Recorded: {"hour": 5, "minute": 15}
